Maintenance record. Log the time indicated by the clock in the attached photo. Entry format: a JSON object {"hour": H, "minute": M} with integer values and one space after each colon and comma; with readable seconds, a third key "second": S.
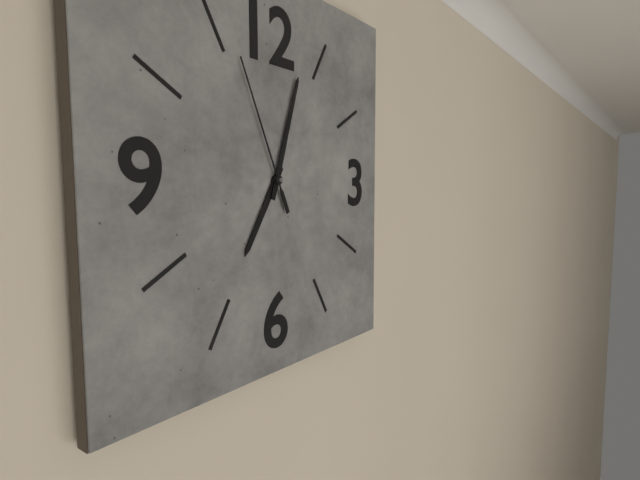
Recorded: {"hour": 7, "minute": 3, "second": 56}
